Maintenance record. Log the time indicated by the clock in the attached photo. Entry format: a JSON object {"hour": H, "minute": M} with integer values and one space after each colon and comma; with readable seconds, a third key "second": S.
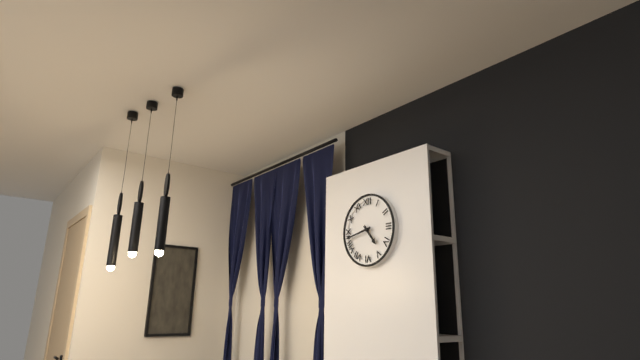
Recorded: {"hour": 4, "minute": 43}
